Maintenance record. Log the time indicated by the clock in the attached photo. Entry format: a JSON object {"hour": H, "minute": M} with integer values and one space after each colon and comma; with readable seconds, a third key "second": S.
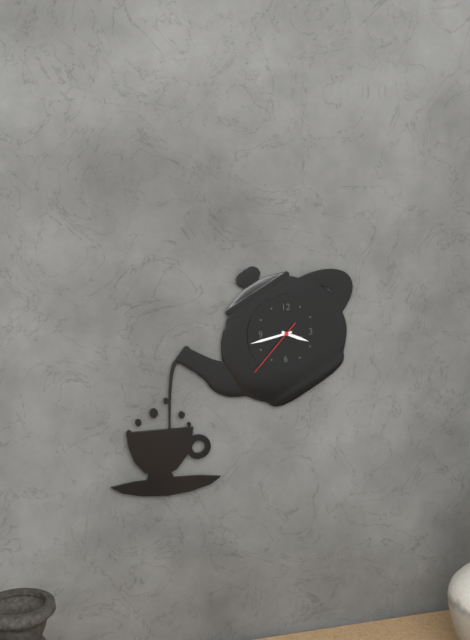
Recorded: {"hour": 3, "minute": 43, "second": 37}
